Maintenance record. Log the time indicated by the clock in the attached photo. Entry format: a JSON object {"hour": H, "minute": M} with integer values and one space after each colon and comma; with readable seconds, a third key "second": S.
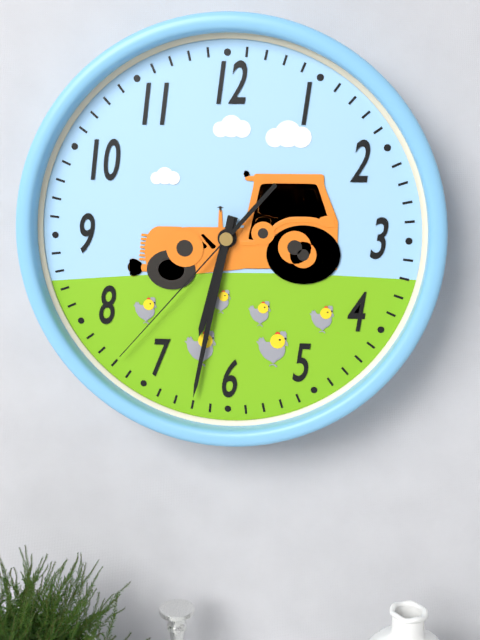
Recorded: {"hour": 6, "minute": 32, "second": 37}
